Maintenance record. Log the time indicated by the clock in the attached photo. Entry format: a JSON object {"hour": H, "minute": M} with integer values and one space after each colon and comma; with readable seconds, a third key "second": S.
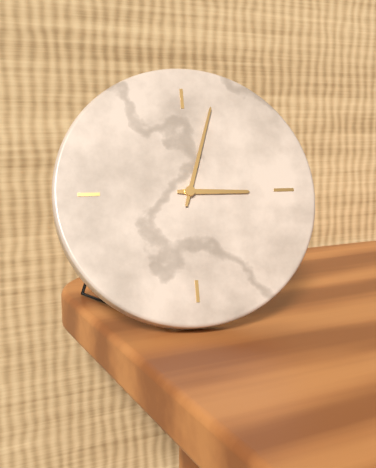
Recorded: {"hour": 3, "minute": 3}
